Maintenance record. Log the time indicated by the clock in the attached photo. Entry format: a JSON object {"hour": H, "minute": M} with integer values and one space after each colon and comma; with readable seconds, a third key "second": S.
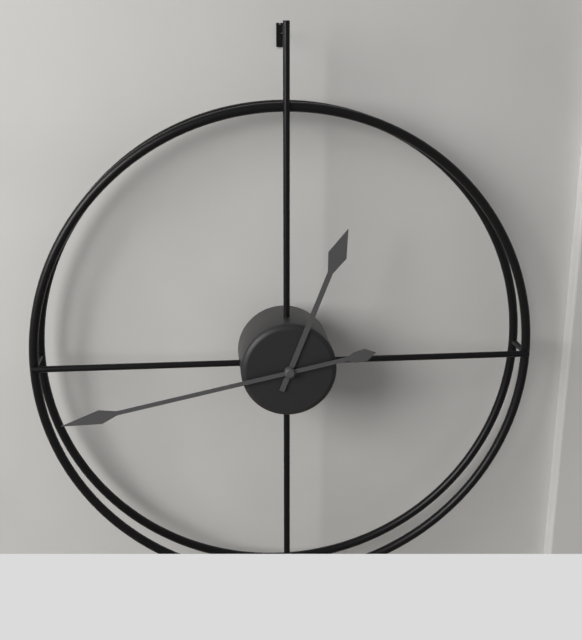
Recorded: {"hour": 12, "minute": 43}
